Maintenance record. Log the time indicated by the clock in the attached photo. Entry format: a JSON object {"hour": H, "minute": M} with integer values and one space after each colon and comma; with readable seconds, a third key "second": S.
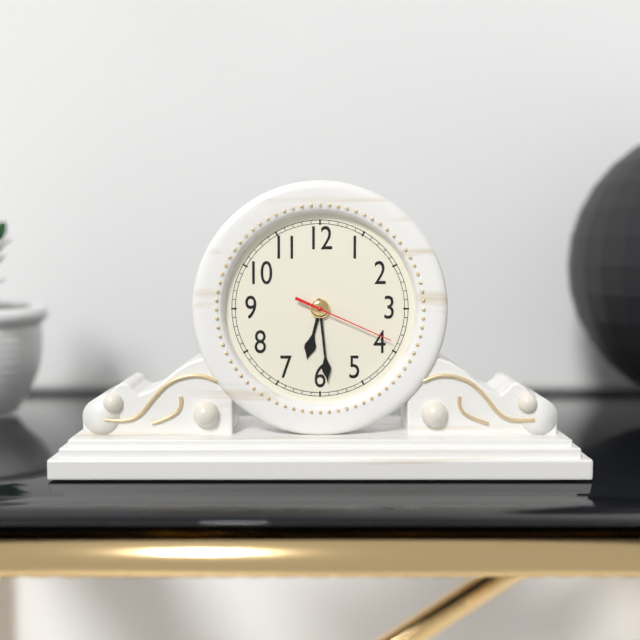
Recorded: {"hour": 6, "minute": 29, "second": 19}
